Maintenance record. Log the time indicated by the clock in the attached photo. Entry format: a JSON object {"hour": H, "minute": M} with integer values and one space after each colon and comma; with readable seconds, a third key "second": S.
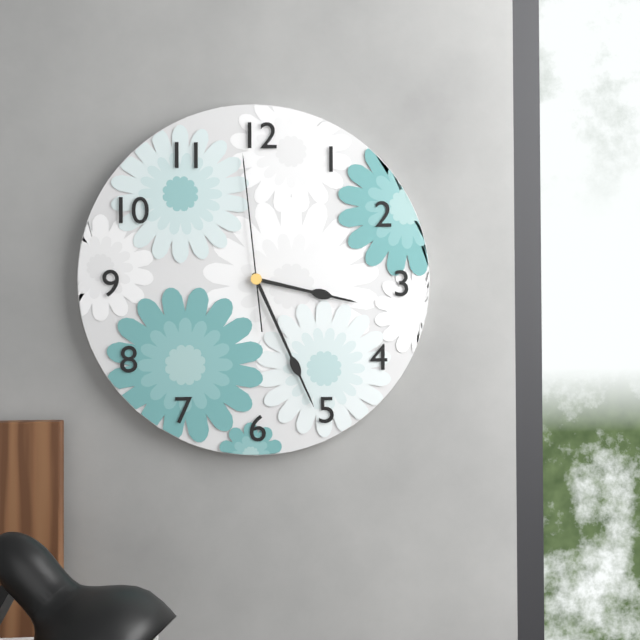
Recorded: {"hour": 3, "minute": 26, "second": 59}
